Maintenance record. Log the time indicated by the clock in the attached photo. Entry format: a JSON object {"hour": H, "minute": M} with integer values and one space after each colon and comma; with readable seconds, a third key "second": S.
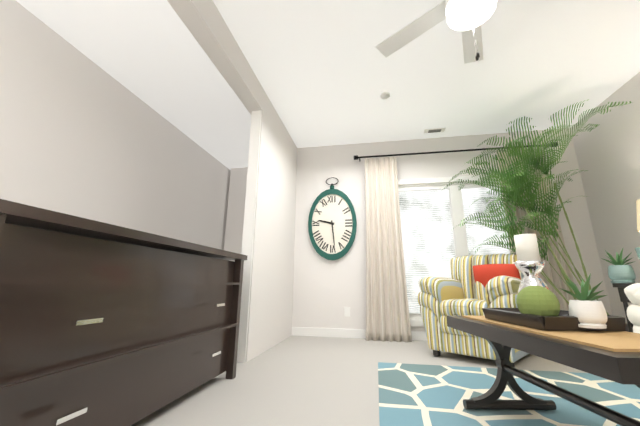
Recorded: {"hour": 9, "minute": 29}
